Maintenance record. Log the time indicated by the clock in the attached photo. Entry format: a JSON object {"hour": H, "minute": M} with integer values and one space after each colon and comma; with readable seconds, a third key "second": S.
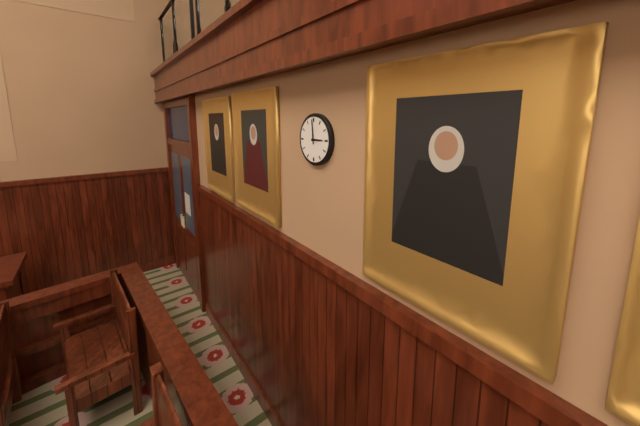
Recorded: {"hour": 2, "minute": 59}
